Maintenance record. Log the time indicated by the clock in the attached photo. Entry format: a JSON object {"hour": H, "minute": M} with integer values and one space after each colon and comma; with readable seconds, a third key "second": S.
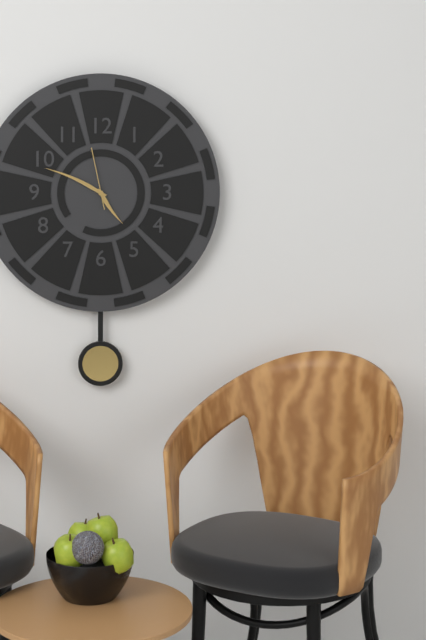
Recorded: {"hour": 4, "minute": 49, "second": 58}
